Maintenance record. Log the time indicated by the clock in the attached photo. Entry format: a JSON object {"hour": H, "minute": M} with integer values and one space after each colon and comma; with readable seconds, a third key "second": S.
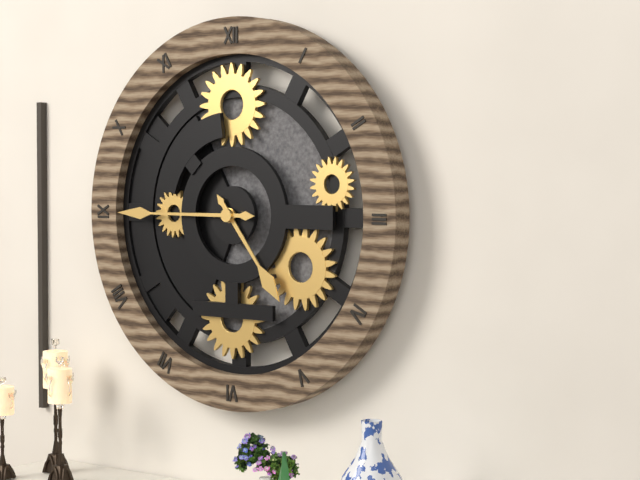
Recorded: {"hour": 4, "minute": 45}
